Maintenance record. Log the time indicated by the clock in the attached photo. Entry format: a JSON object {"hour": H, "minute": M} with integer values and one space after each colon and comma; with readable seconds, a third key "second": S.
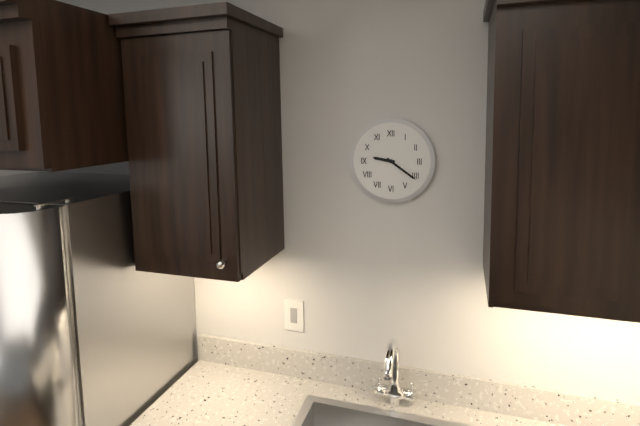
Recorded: {"hour": 9, "minute": 21}
